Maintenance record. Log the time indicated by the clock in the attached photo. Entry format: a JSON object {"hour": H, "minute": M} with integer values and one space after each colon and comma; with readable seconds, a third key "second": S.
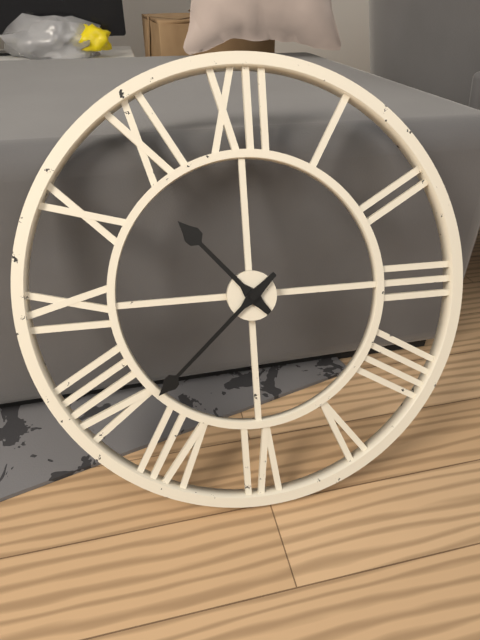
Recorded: {"hour": 10, "minute": 38}
